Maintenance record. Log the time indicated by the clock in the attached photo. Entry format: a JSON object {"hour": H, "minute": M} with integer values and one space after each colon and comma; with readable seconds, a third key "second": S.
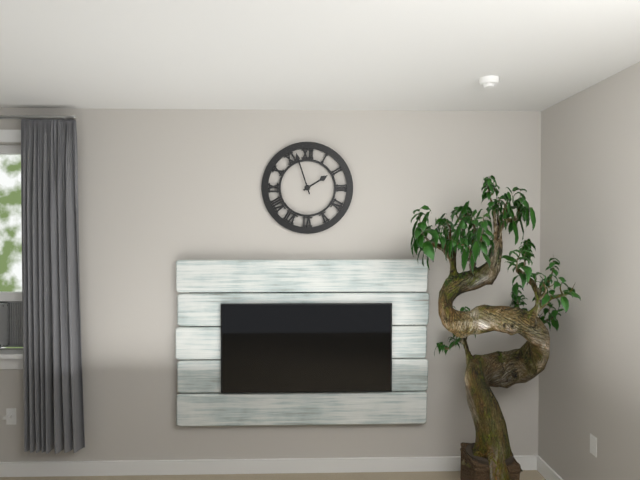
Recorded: {"hour": 1, "minute": 57}
